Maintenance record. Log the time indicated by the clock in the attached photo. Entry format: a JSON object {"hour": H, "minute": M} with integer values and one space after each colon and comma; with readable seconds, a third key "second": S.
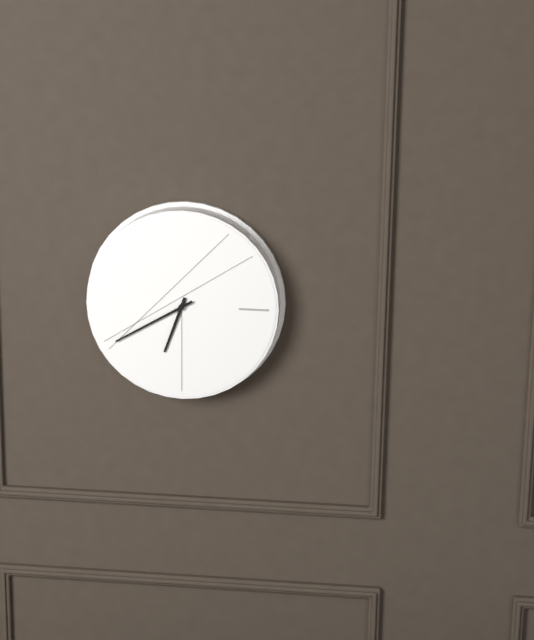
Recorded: {"hour": 6, "minute": 40}
